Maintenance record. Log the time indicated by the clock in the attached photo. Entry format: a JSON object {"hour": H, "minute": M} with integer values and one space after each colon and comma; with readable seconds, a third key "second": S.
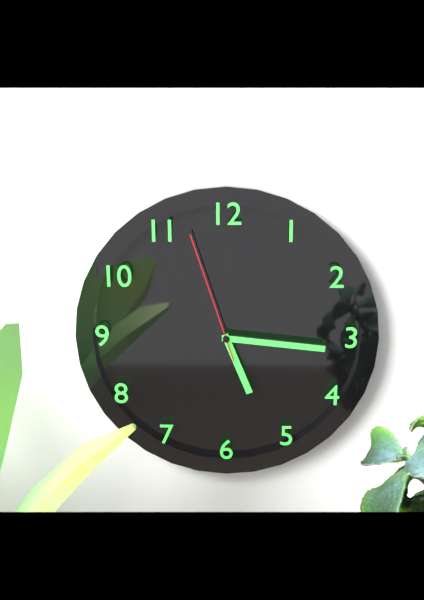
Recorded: {"hour": 5, "minute": 16, "second": 57}
